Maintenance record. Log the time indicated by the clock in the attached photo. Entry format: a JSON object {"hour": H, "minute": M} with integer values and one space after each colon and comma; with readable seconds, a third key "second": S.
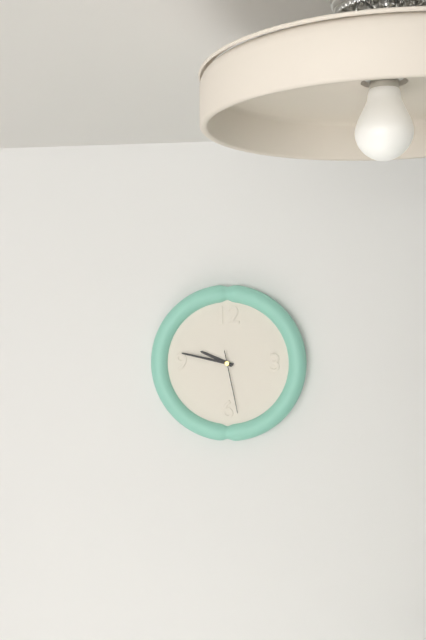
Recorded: {"hour": 9, "minute": 47, "second": 28}
